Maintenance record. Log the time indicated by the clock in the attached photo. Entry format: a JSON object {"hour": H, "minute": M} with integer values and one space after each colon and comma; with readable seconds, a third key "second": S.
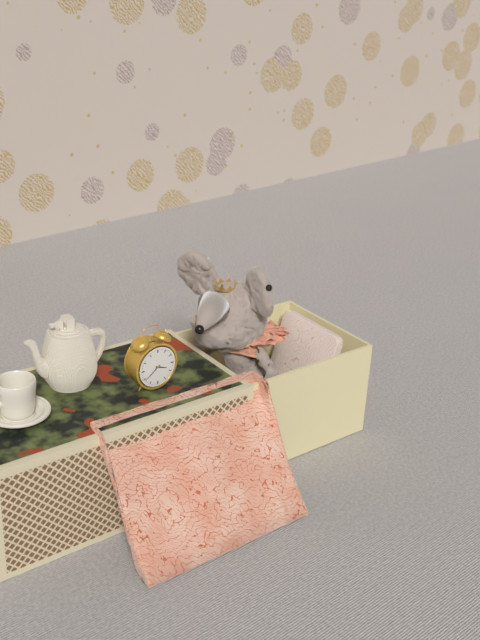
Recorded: {"hour": 3, "minute": 39}
